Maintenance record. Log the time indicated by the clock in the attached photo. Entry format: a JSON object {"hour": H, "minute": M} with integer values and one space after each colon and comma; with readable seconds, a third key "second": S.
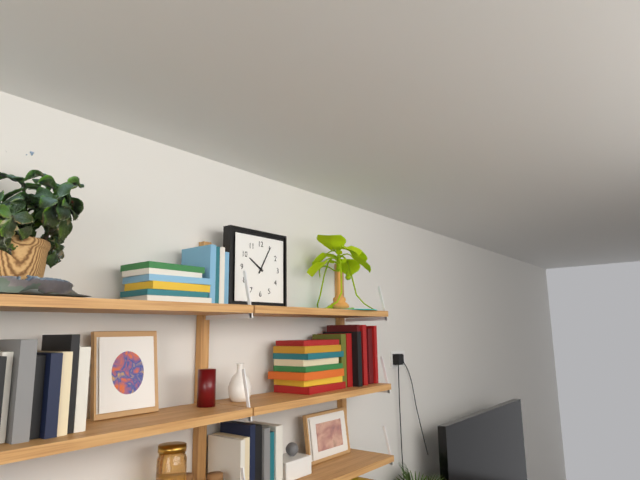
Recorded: {"hour": 10, "minute": 5}
